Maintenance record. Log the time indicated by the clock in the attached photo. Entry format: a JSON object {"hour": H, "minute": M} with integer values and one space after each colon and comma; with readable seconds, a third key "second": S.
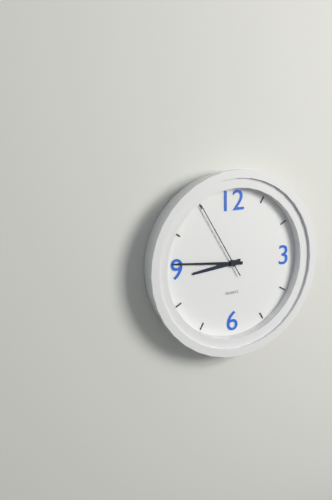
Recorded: {"hour": 8, "minute": 46, "second": 55}
